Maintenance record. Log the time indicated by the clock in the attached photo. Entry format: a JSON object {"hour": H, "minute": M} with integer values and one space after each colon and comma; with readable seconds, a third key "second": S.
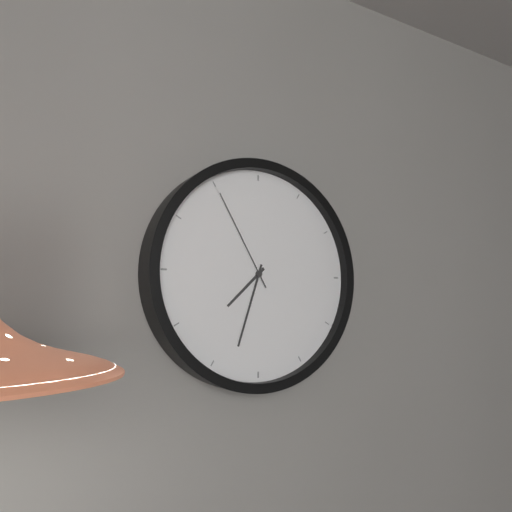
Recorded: {"hour": 7, "minute": 33, "second": 55}
